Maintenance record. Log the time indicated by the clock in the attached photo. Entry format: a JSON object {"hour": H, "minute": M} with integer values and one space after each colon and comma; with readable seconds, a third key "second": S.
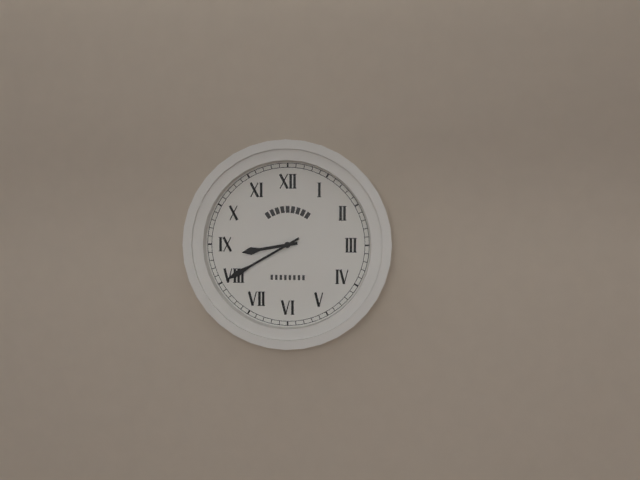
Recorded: {"hour": 8, "minute": 40}
